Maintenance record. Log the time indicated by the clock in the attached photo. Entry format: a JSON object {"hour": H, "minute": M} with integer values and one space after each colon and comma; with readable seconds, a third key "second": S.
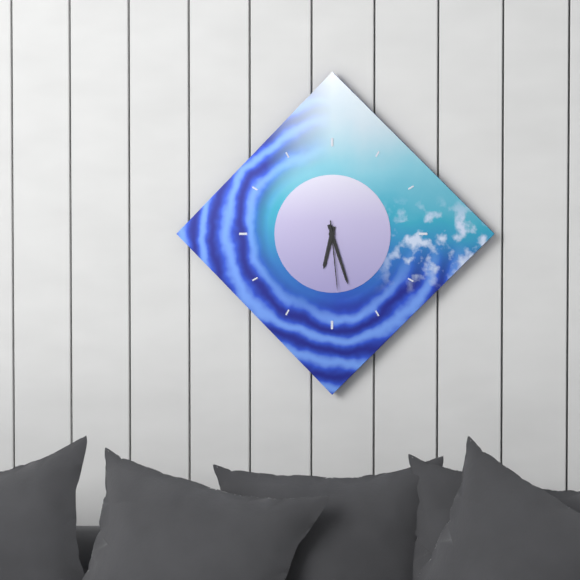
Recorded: {"hour": 6, "minute": 27, "second": 29}
